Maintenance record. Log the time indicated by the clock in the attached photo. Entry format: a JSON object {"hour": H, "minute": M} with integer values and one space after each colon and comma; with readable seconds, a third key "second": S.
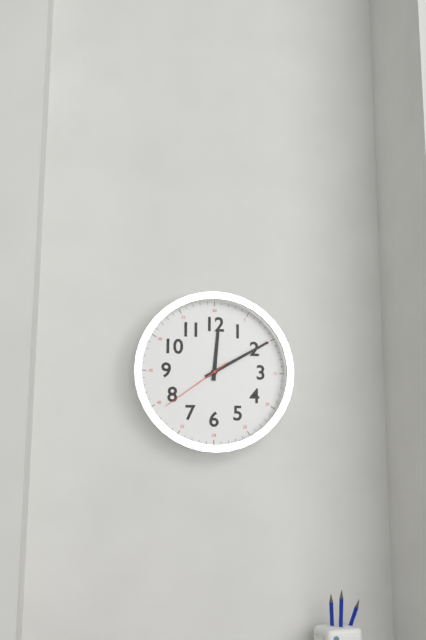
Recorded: {"hour": 12, "minute": 10, "second": 39}
